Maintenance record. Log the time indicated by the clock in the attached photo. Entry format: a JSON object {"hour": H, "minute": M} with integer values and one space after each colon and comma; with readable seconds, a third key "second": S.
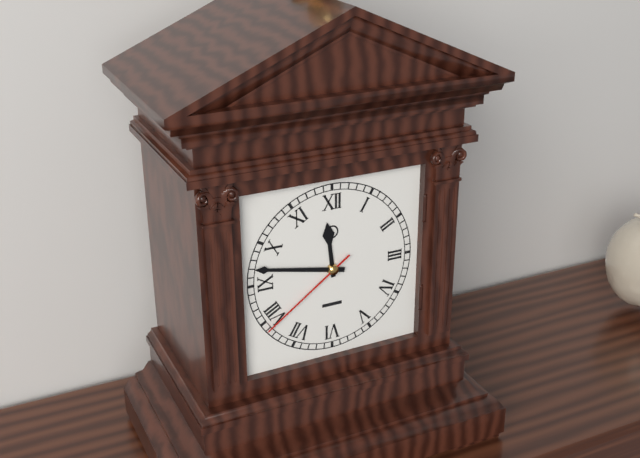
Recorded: {"hour": 11, "minute": 47, "second": 39}
